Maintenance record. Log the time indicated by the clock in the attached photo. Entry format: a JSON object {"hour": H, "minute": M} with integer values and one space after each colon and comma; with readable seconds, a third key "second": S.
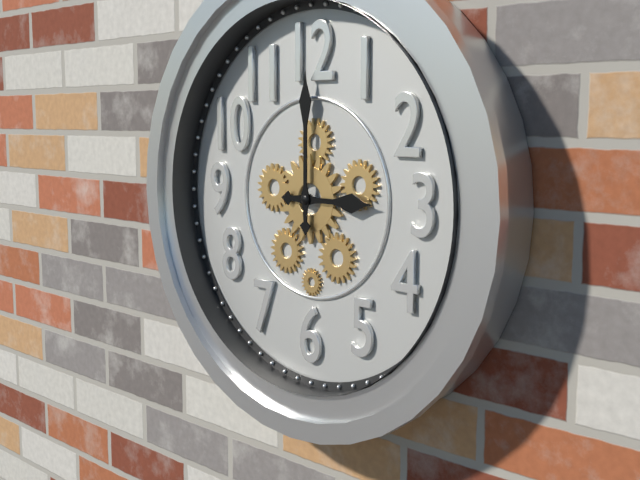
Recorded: {"hour": 3, "minute": 0}
